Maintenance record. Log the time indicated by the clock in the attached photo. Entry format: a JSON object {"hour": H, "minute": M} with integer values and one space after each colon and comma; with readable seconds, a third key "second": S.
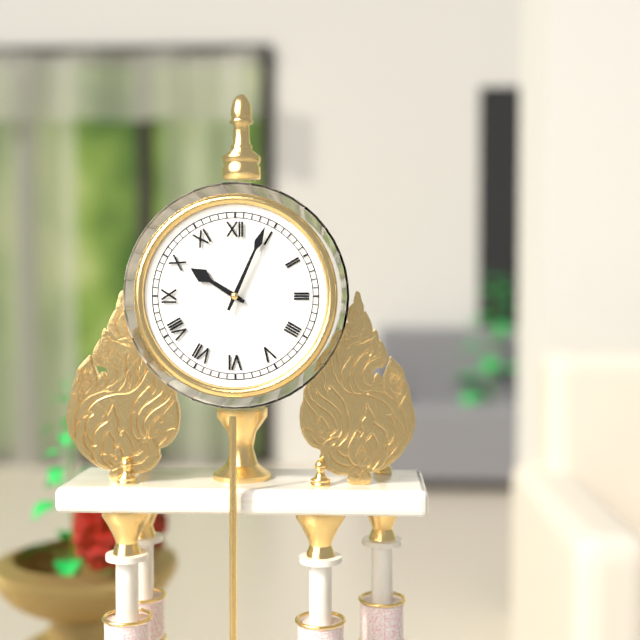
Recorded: {"hour": 10, "minute": 4}
